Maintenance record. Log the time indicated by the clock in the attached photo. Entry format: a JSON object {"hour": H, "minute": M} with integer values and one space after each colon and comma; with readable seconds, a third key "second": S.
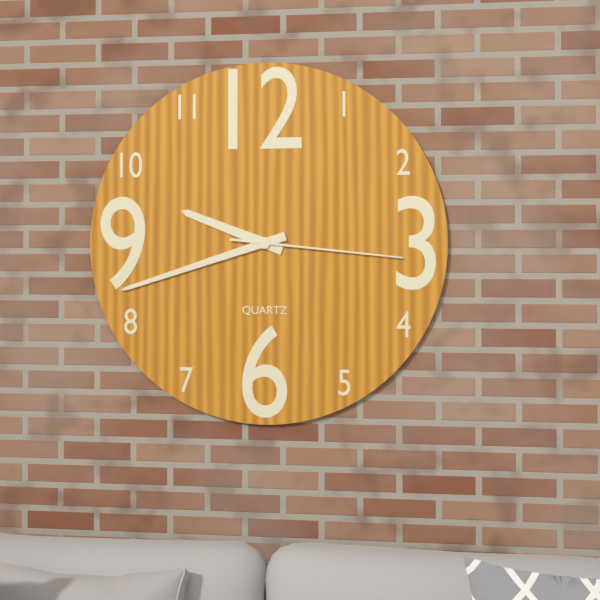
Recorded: {"hour": 9, "minute": 42, "second": 16}
